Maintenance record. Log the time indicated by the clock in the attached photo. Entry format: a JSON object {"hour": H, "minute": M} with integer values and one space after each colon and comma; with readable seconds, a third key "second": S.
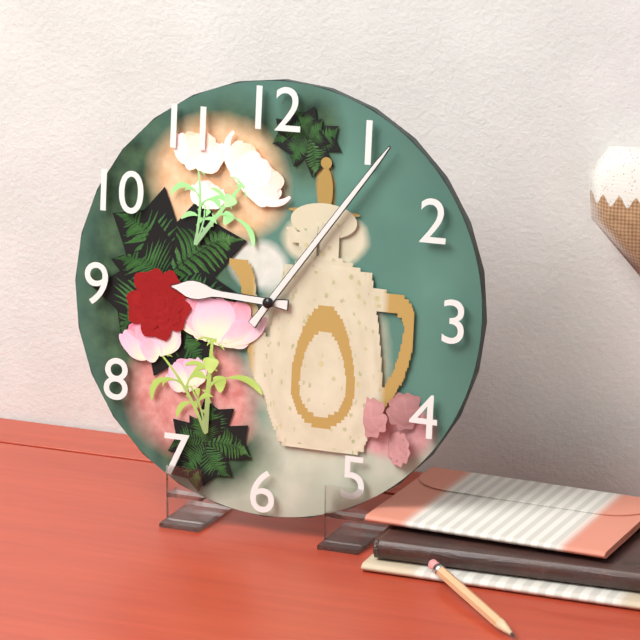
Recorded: {"hour": 9, "minute": 6}
